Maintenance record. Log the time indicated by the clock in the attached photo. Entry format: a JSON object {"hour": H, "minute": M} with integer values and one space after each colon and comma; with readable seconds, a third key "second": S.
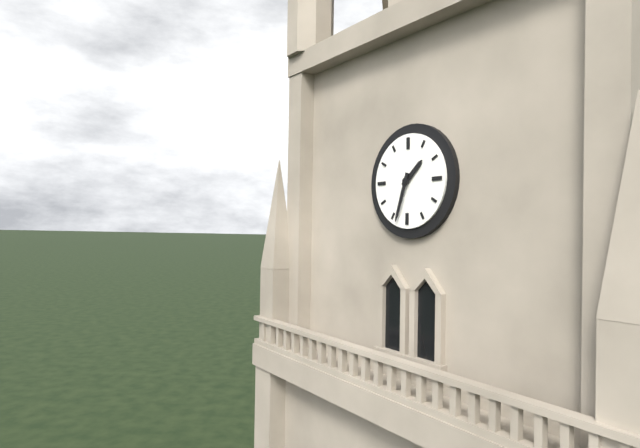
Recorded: {"hour": 1, "minute": 33}
